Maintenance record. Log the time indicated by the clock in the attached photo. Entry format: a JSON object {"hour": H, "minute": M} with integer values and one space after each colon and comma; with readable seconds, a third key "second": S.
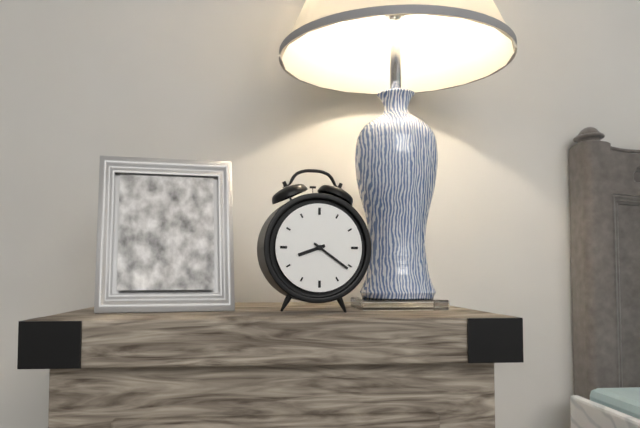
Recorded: {"hour": 8, "minute": 21}
